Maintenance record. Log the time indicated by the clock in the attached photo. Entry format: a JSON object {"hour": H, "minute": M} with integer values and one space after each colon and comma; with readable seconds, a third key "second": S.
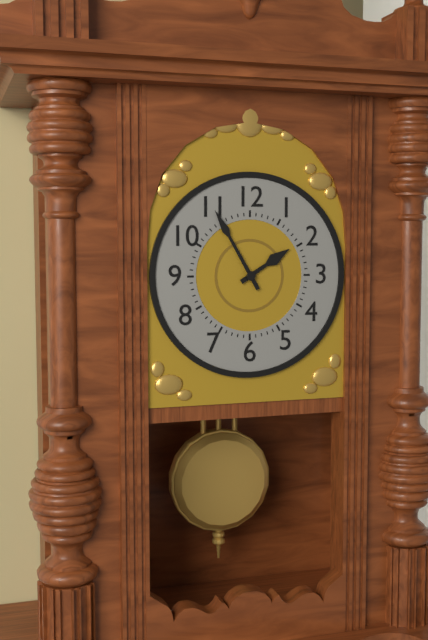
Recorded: {"hour": 1, "minute": 55}
